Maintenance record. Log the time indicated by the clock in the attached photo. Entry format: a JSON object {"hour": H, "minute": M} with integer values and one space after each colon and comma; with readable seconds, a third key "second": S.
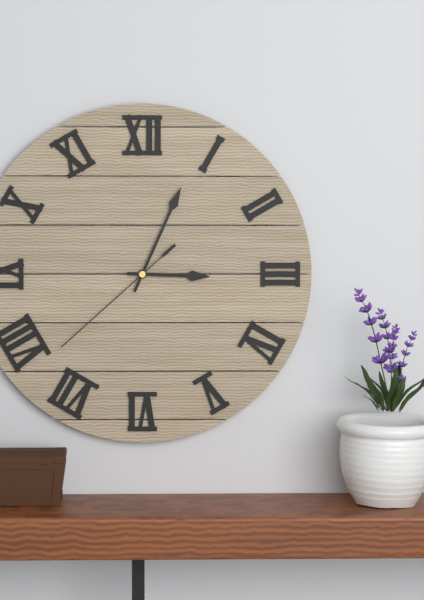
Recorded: {"hour": 3, "minute": 4, "second": 38}
